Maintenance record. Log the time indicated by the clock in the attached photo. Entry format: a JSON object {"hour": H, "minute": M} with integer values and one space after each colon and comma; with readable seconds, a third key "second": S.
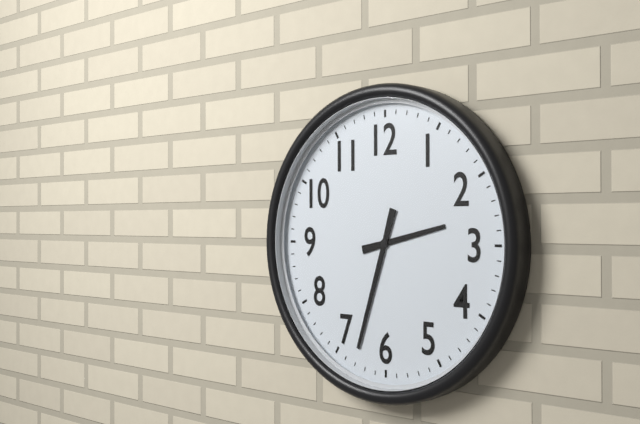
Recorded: {"hour": 2, "minute": 33}
